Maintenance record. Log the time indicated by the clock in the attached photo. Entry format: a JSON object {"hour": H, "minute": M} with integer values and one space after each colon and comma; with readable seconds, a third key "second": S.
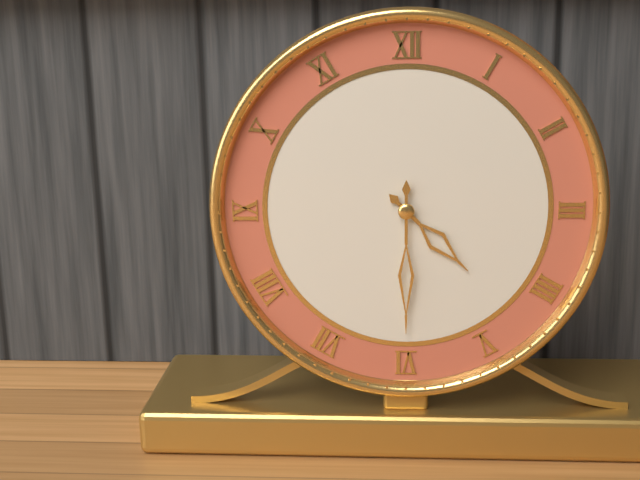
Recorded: {"hour": 4, "minute": 30}
